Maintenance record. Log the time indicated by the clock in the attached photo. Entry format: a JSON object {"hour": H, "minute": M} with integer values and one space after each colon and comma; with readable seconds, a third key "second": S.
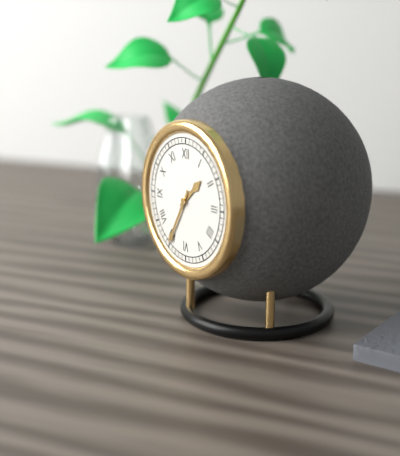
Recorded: {"hour": 1, "minute": 35}
